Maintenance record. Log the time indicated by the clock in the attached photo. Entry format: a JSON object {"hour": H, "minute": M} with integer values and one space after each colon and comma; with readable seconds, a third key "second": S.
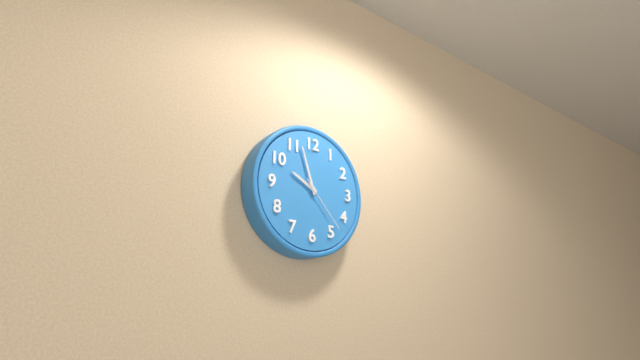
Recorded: {"hour": 9, "minute": 57, "second": 23}
